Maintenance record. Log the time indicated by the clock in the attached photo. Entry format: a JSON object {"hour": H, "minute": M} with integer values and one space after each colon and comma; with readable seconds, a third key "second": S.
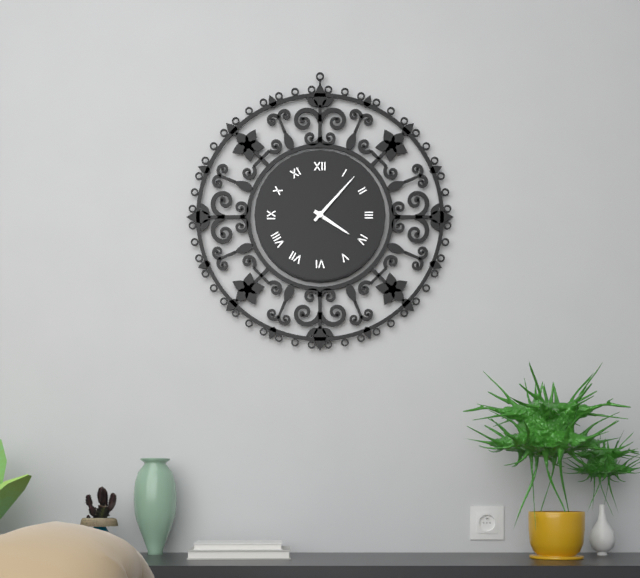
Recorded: {"hour": 4, "minute": 7}
